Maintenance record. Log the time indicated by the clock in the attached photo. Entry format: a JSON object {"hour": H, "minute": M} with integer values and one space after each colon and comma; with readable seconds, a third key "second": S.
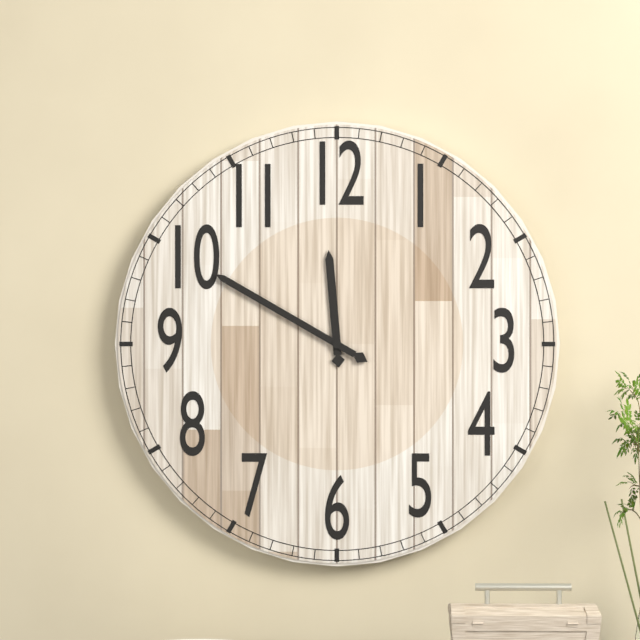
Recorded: {"hour": 11, "minute": 50}
